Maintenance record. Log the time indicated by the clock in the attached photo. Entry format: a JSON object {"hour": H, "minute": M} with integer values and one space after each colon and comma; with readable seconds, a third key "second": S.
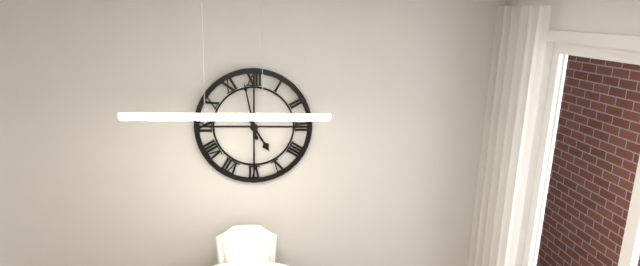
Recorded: {"hour": 4, "minute": 58}
